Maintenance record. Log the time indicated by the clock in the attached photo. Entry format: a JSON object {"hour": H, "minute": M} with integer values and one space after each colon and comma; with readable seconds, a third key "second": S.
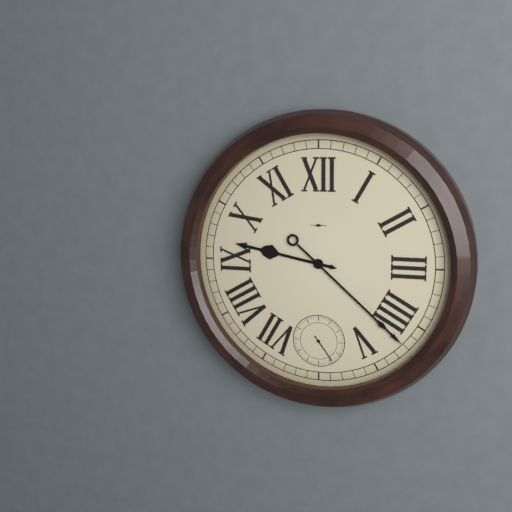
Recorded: {"hour": 9, "minute": 22}
